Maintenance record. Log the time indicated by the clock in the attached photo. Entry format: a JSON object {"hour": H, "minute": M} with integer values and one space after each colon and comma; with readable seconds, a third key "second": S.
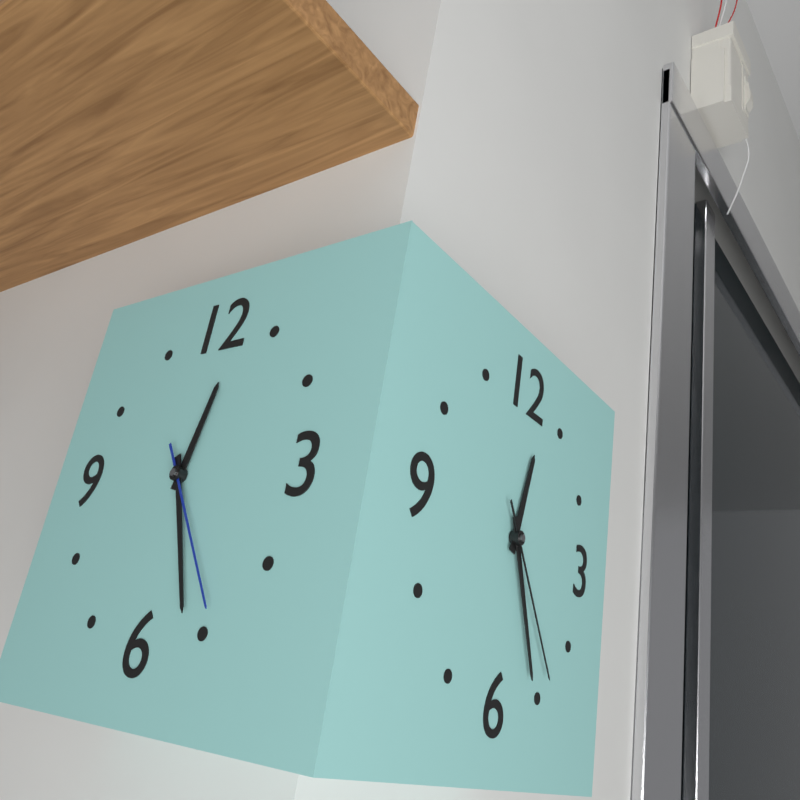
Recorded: {"hour": 12, "minute": 26, "second": 24}
